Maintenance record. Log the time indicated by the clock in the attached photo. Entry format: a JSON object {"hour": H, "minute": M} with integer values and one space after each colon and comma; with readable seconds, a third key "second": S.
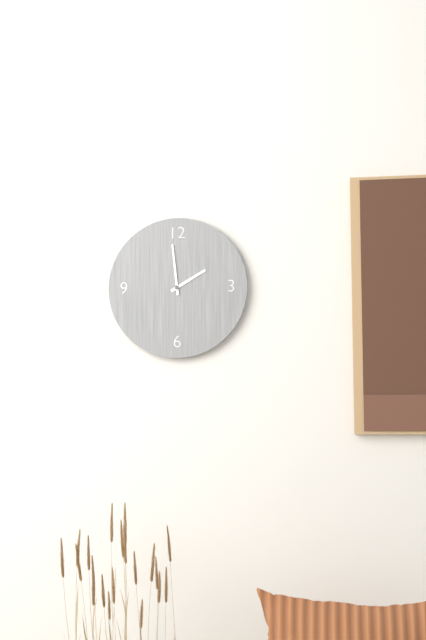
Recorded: {"hour": 1, "minute": 59}
